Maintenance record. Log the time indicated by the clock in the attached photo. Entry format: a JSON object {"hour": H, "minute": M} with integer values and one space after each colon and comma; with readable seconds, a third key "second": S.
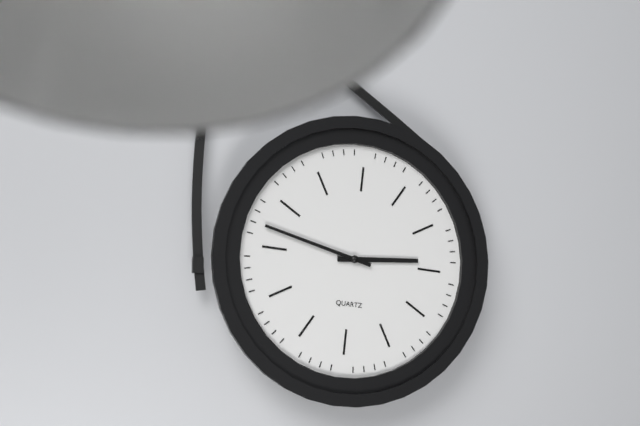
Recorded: {"hour": 2, "minute": 47}
